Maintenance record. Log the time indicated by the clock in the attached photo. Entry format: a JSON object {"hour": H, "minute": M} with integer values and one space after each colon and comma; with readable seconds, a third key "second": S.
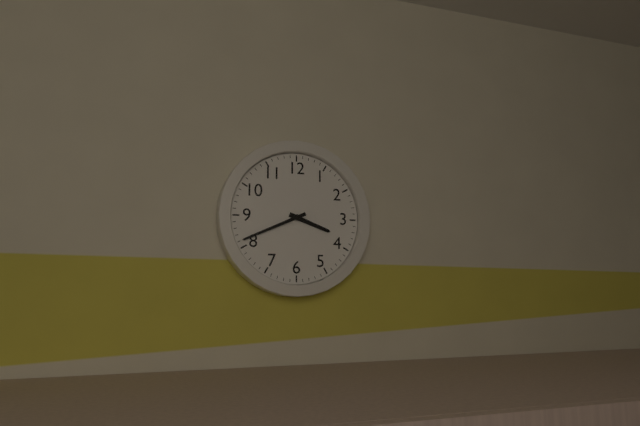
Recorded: {"hour": 3, "minute": 41}
